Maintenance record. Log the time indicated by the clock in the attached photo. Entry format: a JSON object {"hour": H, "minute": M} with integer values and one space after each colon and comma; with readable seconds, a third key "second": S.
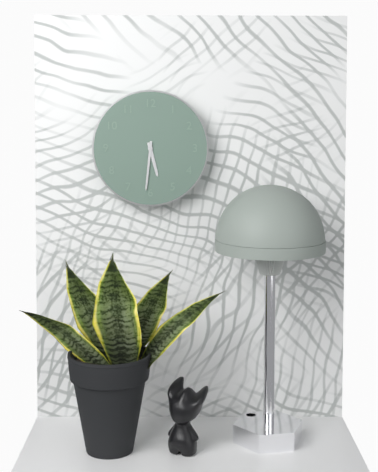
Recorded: {"hour": 5, "minute": 31}
